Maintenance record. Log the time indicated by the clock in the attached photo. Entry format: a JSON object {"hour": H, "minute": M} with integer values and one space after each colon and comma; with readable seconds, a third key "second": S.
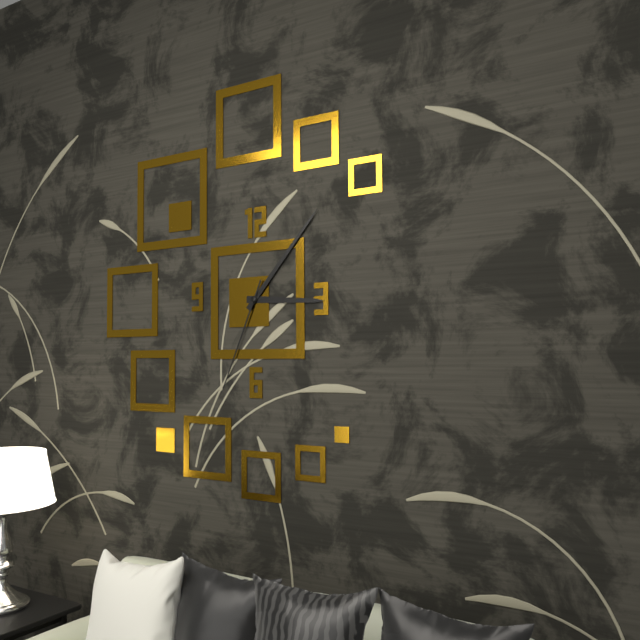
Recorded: {"hour": 3, "minute": 7, "second": 34}
